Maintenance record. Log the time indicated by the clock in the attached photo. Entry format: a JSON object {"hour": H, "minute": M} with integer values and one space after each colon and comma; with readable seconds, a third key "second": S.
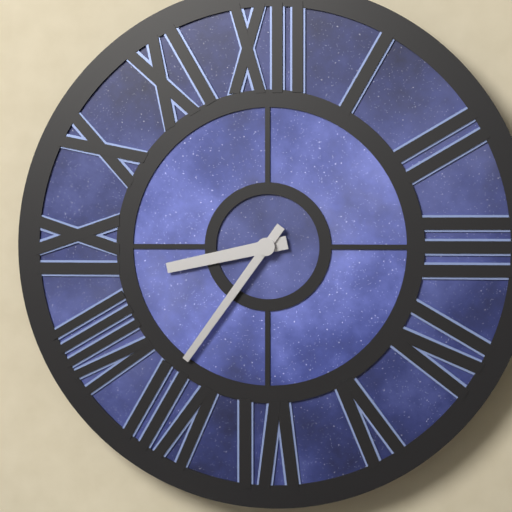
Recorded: {"hour": 8, "minute": 36}
